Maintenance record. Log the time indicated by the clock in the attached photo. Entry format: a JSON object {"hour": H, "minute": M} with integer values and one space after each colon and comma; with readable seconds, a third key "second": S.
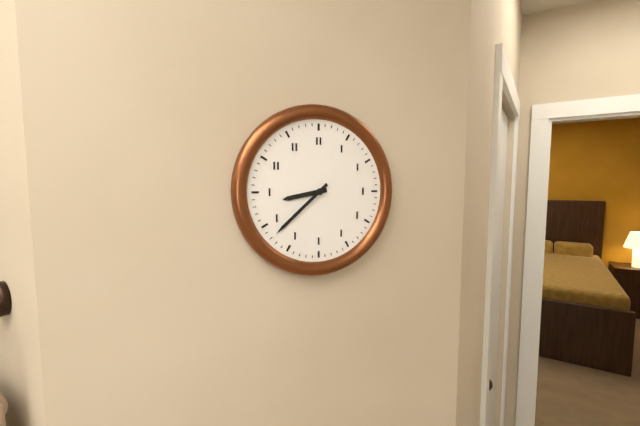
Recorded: {"hour": 8, "minute": 38}
